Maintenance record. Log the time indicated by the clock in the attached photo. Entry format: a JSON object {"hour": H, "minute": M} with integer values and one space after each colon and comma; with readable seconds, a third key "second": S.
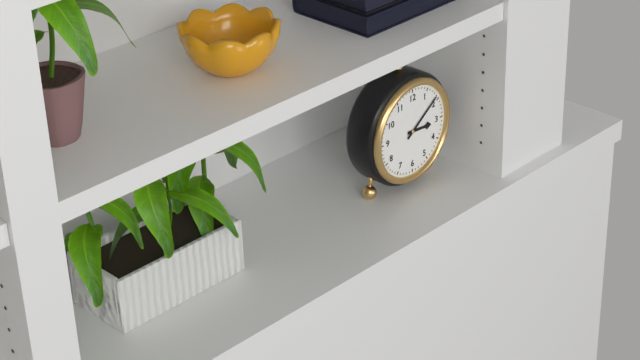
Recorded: {"hour": 3, "minute": 9}
